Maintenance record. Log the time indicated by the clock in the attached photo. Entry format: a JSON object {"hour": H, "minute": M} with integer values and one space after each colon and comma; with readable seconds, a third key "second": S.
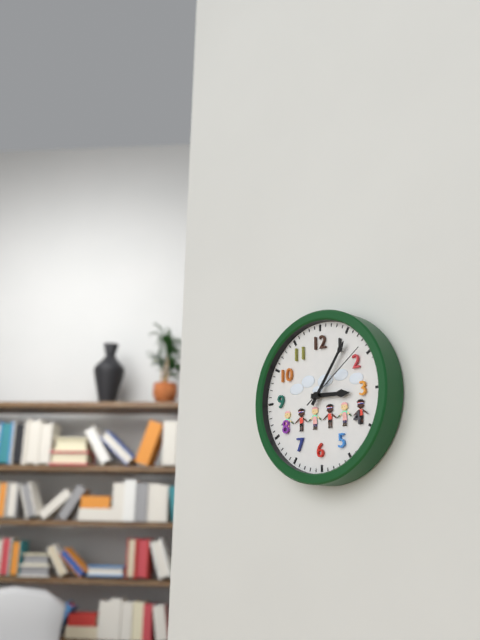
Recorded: {"hour": 3, "minute": 6, "second": 9}
